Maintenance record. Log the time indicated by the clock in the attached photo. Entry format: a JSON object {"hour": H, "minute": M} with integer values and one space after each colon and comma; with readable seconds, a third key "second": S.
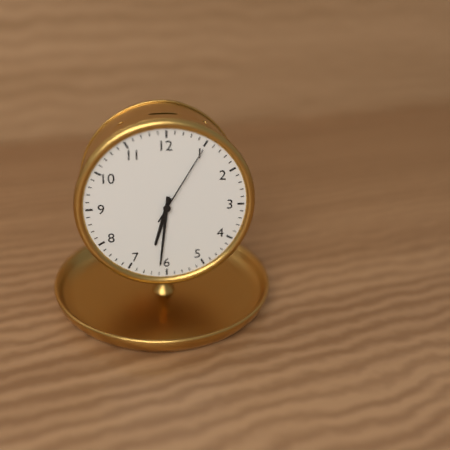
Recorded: {"hour": 6, "minute": 31, "second": 5}
